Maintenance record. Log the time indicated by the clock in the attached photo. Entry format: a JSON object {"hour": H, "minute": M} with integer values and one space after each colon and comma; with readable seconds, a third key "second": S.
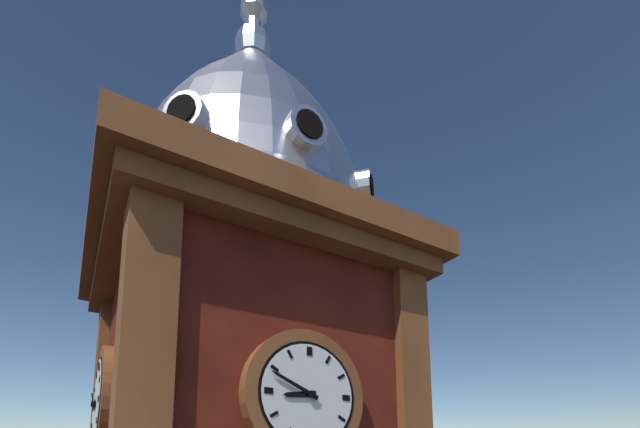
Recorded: {"hour": 8, "minute": 49}
